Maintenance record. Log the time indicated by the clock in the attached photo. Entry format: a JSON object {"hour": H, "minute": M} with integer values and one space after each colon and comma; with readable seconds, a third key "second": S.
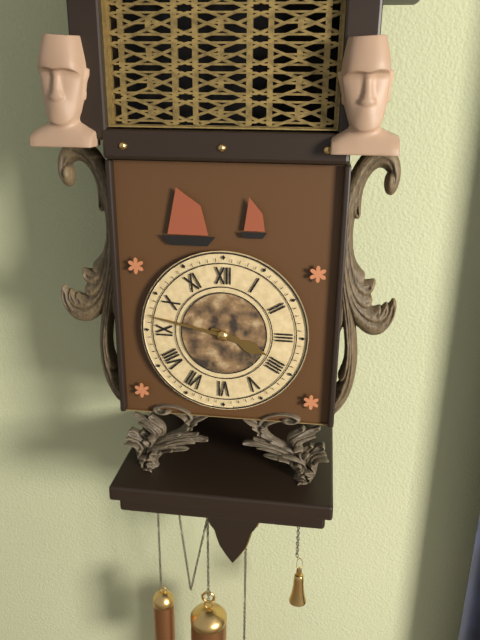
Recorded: {"hour": 3, "minute": 47}
